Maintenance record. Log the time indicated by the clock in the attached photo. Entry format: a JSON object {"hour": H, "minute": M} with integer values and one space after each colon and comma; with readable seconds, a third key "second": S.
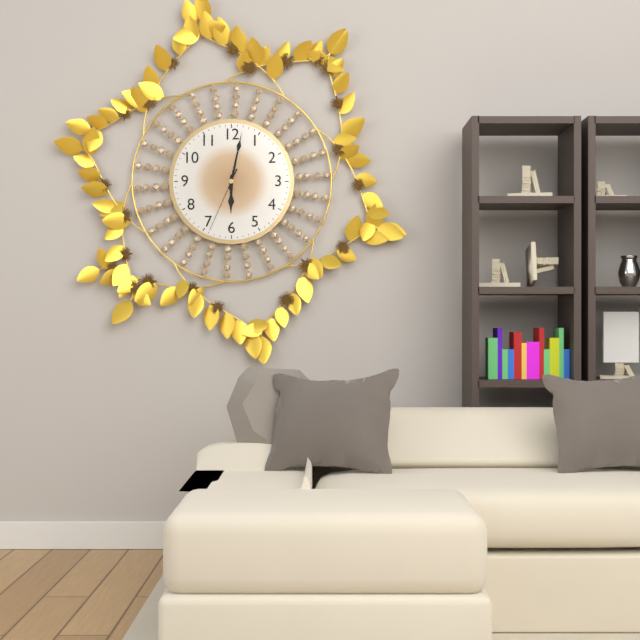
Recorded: {"hour": 6, "minute": 2, "second": 34}
